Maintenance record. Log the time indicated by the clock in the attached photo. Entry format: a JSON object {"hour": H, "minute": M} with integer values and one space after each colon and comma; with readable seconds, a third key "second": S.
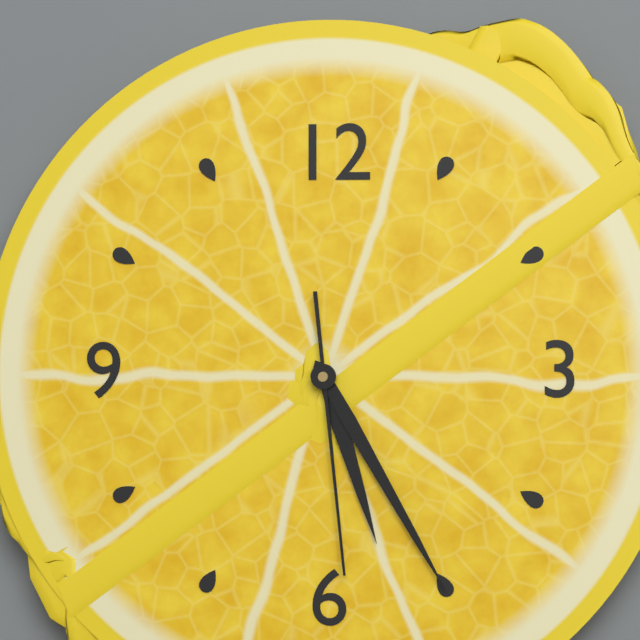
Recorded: {"hour": 5, "minute": 25, "second": 29}
